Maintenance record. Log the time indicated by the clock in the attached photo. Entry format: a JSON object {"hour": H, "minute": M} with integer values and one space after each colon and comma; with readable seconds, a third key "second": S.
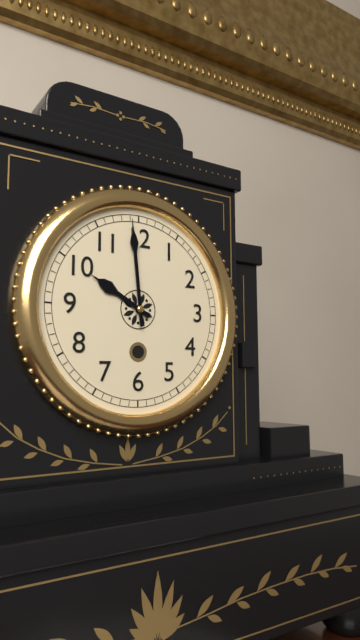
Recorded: {"hour": 9, "minute": 59}
